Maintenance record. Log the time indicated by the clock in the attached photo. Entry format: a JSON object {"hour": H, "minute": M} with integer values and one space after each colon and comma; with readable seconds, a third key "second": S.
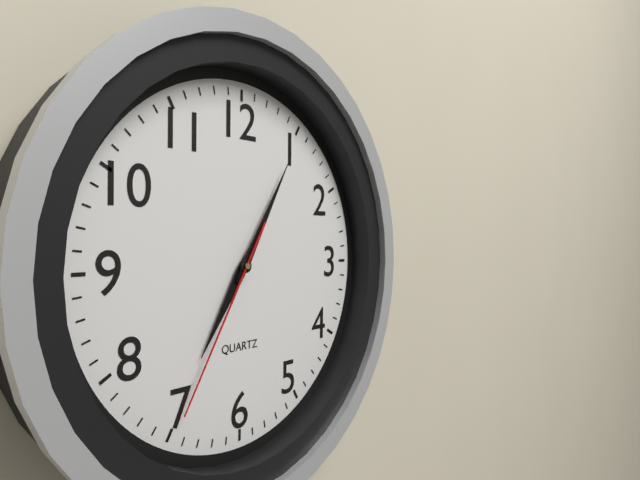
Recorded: {"hour": 7, "minute": 5, "second": 35}
